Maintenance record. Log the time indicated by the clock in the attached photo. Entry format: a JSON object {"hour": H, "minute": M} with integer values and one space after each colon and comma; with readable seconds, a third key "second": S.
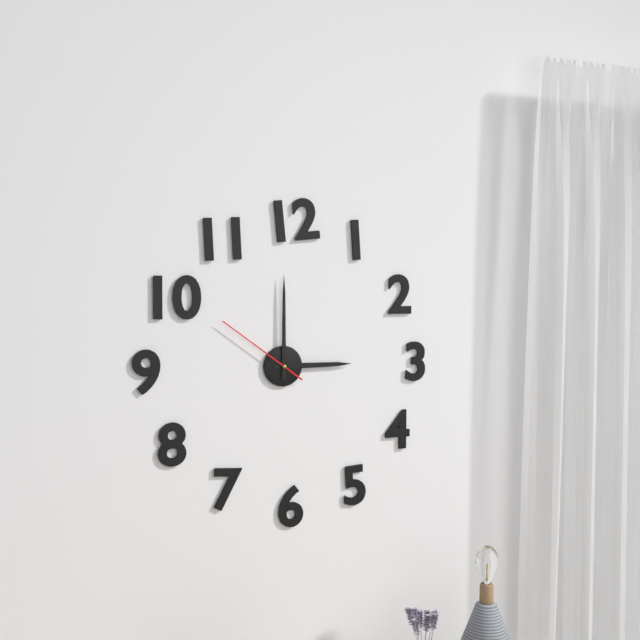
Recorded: {"hour": 3, "minute": 0, "second": 51}
